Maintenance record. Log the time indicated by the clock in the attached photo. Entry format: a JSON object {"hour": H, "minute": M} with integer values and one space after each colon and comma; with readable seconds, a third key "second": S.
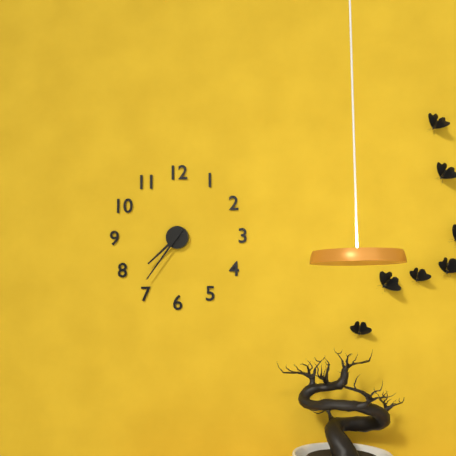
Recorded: {"hour": 7, "minute": 36}
